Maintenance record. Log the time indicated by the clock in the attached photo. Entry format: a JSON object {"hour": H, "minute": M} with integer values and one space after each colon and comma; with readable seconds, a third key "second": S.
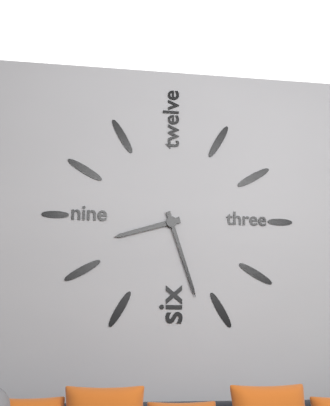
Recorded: {"hour": 8, "minute": 27}
